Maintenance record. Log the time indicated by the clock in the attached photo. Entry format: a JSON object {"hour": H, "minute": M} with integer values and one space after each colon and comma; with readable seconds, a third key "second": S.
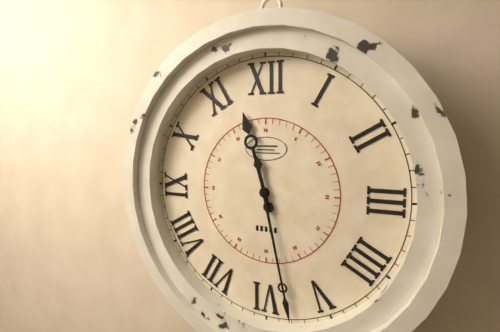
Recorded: {"hour": 11, "minute": 28}
